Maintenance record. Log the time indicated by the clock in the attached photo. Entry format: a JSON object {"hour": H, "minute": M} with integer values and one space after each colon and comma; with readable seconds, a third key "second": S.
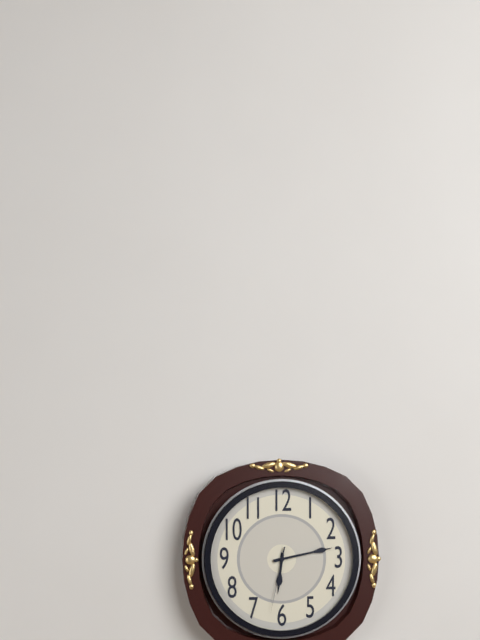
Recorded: {"hour": 6, "minute": 13, "second": 32}
